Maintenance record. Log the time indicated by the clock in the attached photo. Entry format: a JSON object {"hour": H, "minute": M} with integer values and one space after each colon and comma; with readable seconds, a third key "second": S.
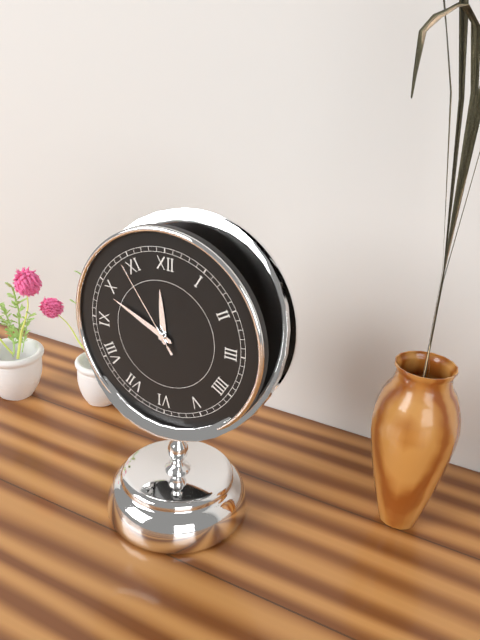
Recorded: {"hour": 11, "minute": 49, "second": 54}
